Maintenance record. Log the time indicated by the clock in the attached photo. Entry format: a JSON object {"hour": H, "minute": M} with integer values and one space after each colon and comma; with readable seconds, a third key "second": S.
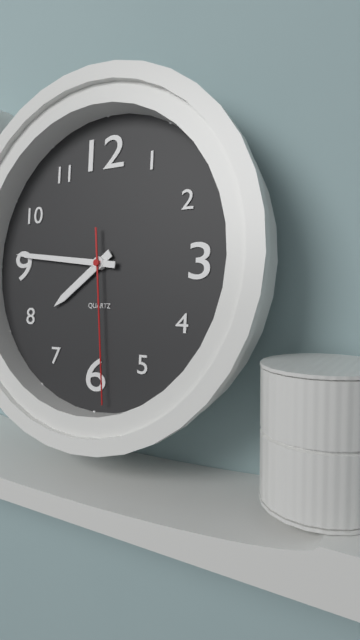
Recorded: {"hour": 7, "minute": 46, "second": 29}
